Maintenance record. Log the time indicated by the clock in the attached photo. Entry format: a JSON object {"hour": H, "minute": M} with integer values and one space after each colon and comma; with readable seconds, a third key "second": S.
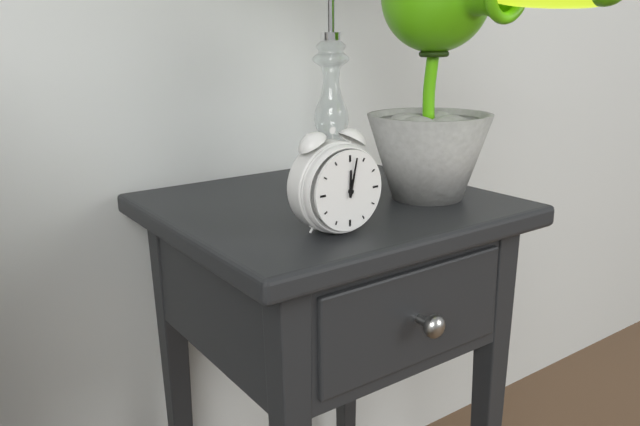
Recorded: {"hour": 12, "minute": 2}
